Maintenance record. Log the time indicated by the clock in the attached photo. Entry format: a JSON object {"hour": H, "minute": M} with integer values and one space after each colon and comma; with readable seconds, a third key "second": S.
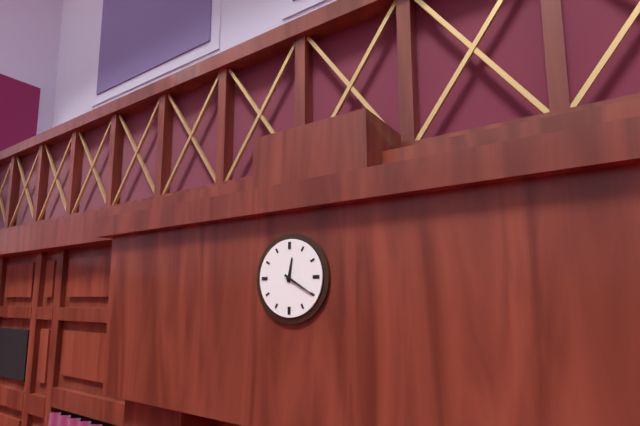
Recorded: {"hour": 12, "minute": 20}
